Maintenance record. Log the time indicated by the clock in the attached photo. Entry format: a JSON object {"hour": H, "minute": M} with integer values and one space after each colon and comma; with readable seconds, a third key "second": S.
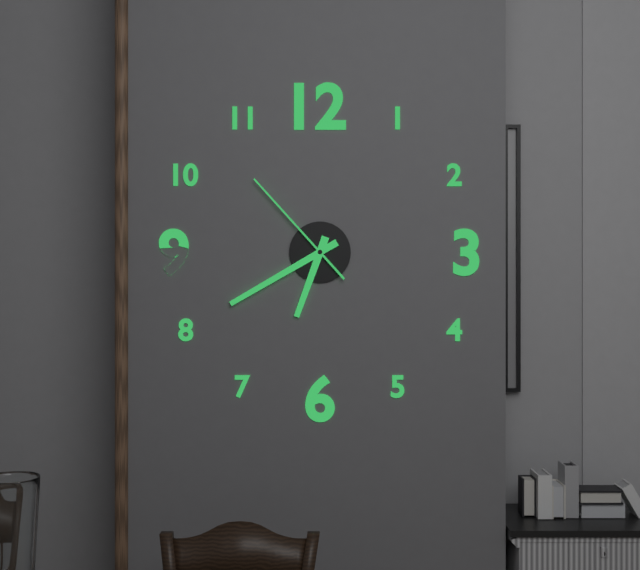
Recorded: {"hour": 6, "minute": 40, "second": 53}
